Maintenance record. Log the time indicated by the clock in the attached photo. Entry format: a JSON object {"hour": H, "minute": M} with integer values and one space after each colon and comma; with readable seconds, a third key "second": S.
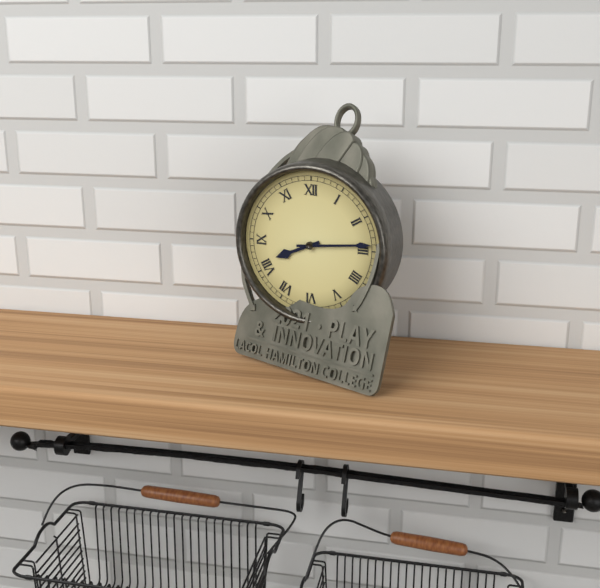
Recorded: {"hour": 8, "minute": 14}
